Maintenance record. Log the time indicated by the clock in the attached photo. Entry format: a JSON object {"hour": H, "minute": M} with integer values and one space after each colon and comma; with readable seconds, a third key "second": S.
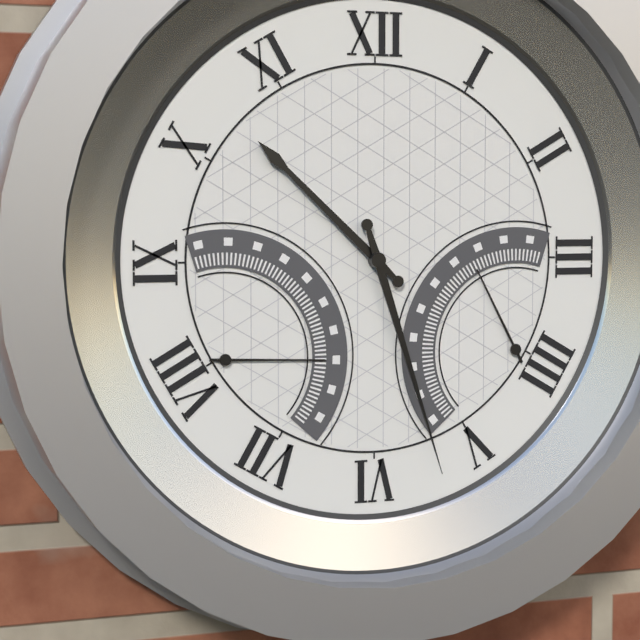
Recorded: {"hour": 10, "minute": 27}
